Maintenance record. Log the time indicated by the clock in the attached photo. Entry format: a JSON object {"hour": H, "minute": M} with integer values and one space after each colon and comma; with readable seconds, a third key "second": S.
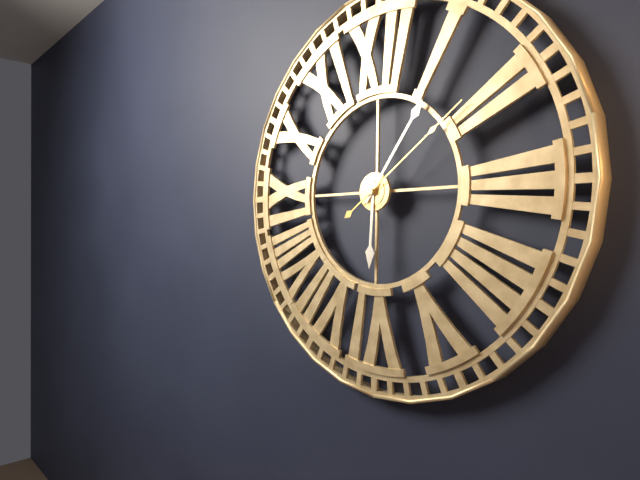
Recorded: {"hour": 6, "minute": 6, "second": 9}
